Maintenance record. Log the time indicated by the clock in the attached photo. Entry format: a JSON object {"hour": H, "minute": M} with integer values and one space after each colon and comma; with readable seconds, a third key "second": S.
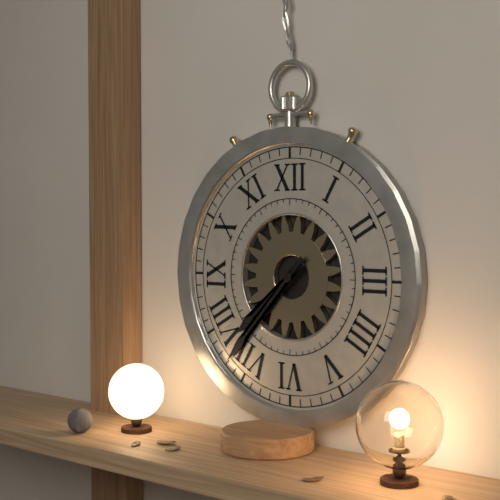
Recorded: {"hour": 7, "minute": 37}
